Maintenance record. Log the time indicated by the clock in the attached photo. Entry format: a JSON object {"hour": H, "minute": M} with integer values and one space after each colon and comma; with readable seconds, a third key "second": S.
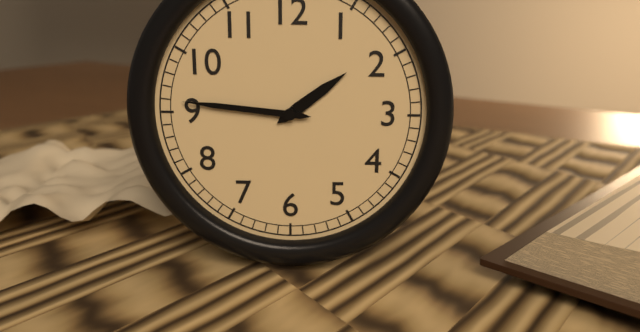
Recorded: {"hour": 1, "minute": 46}
